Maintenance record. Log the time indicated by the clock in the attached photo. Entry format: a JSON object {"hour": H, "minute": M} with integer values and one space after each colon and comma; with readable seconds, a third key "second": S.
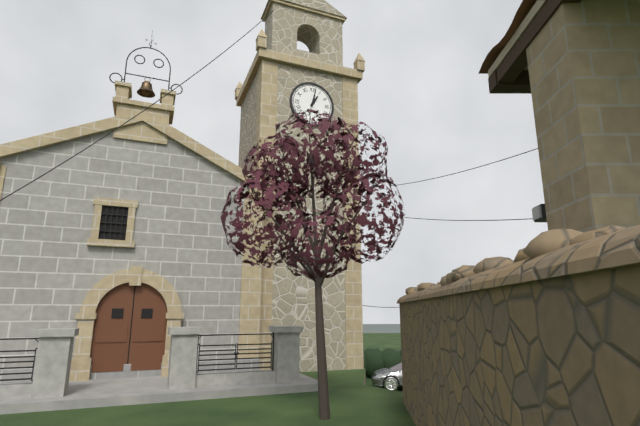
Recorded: {"hour": 1, "minute": 2}
